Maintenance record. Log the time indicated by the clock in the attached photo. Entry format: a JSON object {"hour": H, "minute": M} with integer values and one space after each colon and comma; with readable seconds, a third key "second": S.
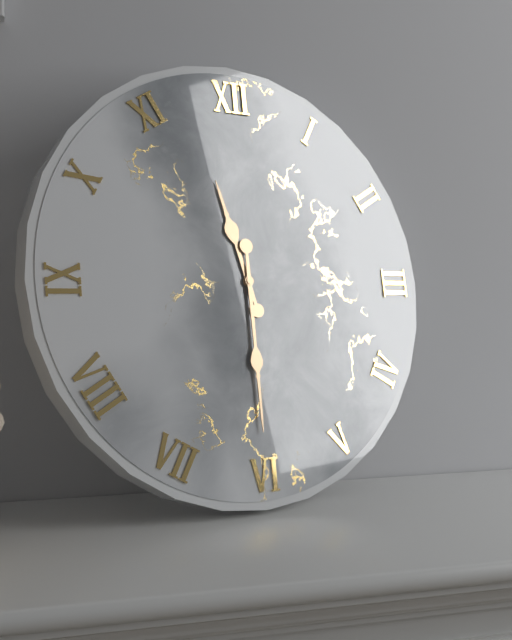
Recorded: {"hour": 11, "minute": 30}
